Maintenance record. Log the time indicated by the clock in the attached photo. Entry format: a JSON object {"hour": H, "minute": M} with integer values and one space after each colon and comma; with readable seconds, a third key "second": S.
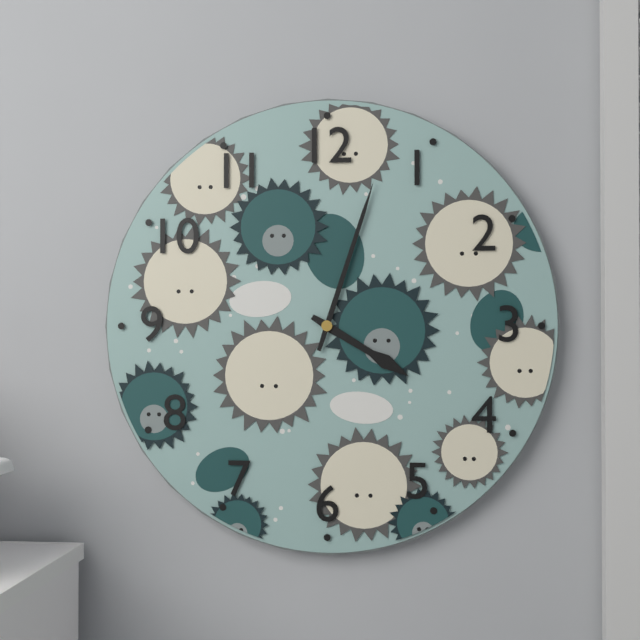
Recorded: {"hour": 4, "minute": 3}
